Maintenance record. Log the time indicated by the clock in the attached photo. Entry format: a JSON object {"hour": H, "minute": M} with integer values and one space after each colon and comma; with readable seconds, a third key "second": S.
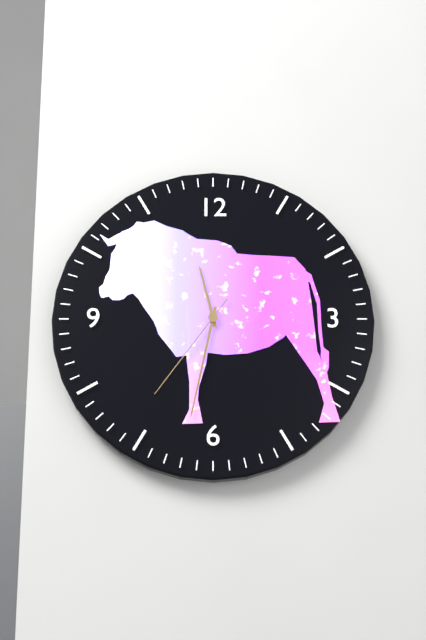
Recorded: {"hour": 11, "minute": 32, "second": 36}
